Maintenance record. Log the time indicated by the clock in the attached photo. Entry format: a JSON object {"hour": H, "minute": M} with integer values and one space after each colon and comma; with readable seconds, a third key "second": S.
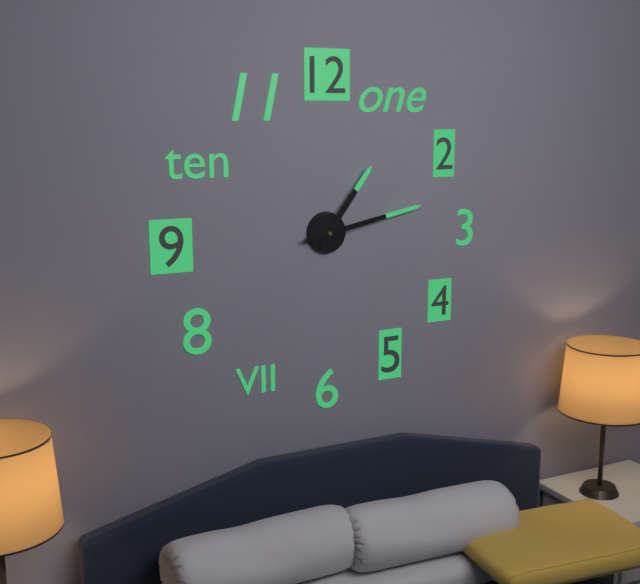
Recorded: {"hour": 1, "minute": 13}
